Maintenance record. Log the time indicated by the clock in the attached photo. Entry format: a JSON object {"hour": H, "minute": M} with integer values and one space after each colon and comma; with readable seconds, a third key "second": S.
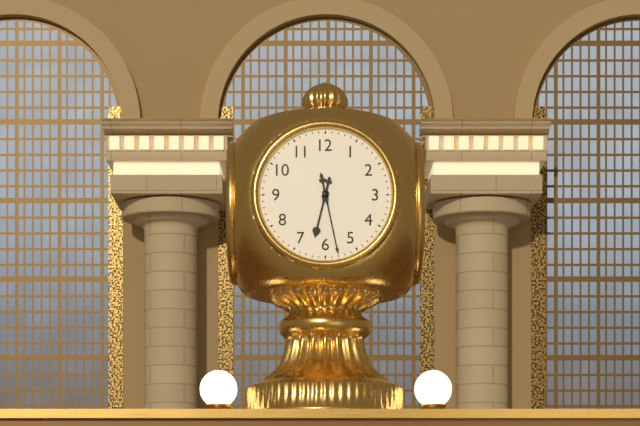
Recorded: {"hour": 6, "minute": 28}
